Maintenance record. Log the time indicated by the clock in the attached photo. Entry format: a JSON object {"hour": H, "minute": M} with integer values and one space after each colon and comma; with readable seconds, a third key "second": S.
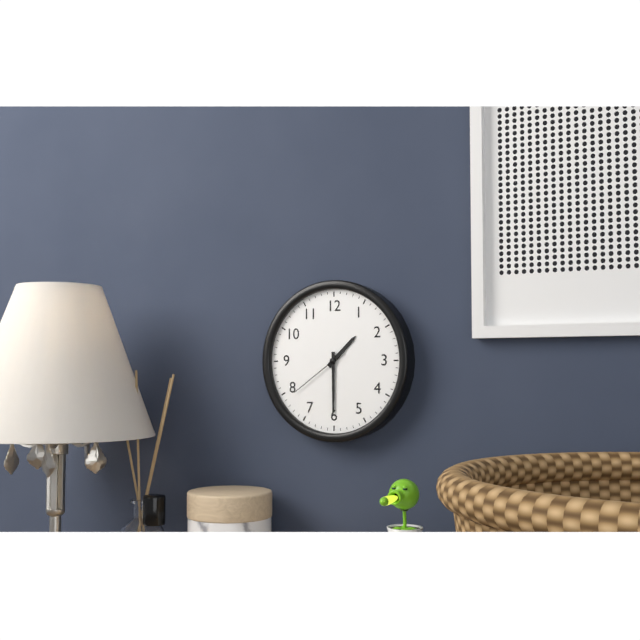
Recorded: {"hour": 1, "minute": 30, "second": 39}
